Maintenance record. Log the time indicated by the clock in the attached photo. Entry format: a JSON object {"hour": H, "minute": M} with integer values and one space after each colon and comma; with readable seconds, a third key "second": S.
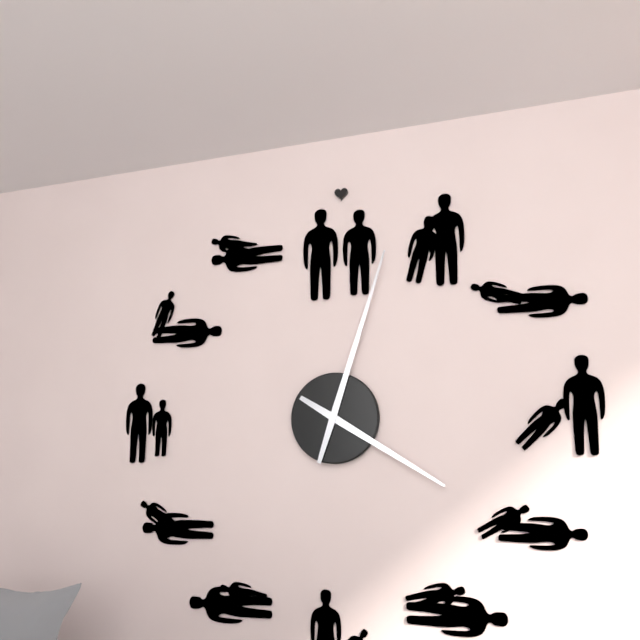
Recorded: {"hour": 4, "minute": 3}
